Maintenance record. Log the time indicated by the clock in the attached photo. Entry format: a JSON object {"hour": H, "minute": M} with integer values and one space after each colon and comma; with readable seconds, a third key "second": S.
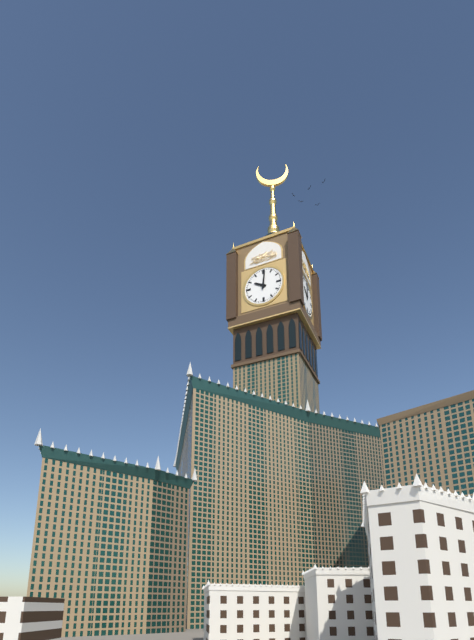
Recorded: {"hour": 10, "minute": 1}
